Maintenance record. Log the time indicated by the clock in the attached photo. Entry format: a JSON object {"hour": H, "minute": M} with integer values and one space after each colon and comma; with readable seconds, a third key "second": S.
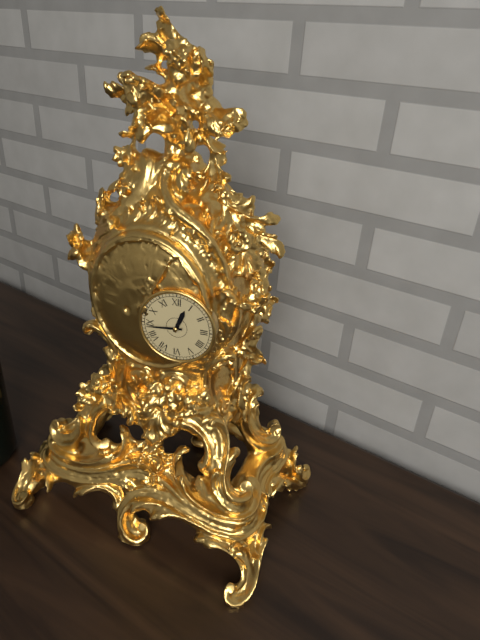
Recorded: {"hour": 12, "minute": 44}
